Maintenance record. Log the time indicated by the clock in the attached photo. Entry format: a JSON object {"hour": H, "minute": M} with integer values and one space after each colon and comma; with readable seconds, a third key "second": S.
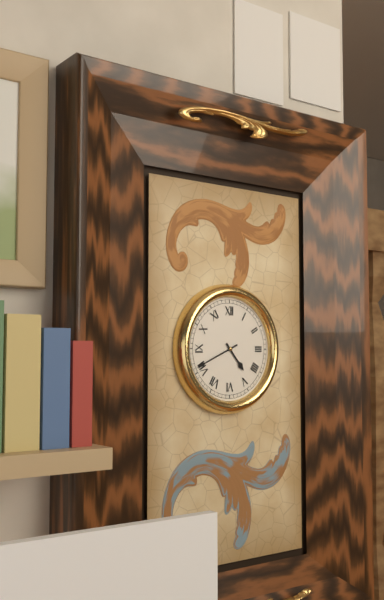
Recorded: {"hour": 4, "minute": 41}
